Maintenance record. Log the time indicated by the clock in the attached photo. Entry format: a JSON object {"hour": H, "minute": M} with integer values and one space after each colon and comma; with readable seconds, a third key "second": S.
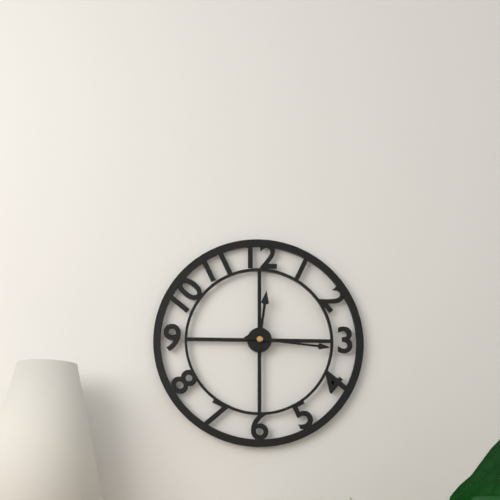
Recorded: {"hour": 12, "minute": 16}
